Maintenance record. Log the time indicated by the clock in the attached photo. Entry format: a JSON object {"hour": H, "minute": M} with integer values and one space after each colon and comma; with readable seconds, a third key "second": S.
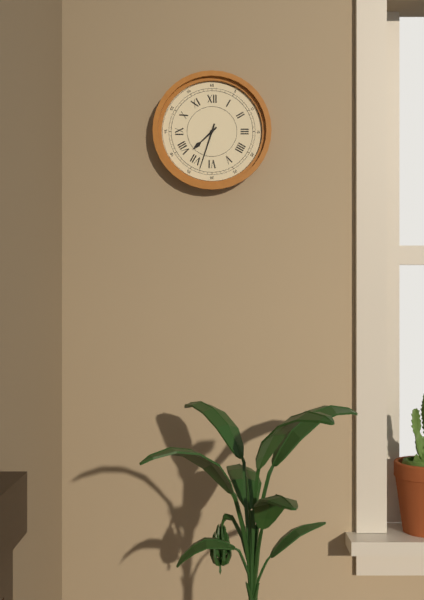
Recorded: {"hour": 7, "minute": 33}
